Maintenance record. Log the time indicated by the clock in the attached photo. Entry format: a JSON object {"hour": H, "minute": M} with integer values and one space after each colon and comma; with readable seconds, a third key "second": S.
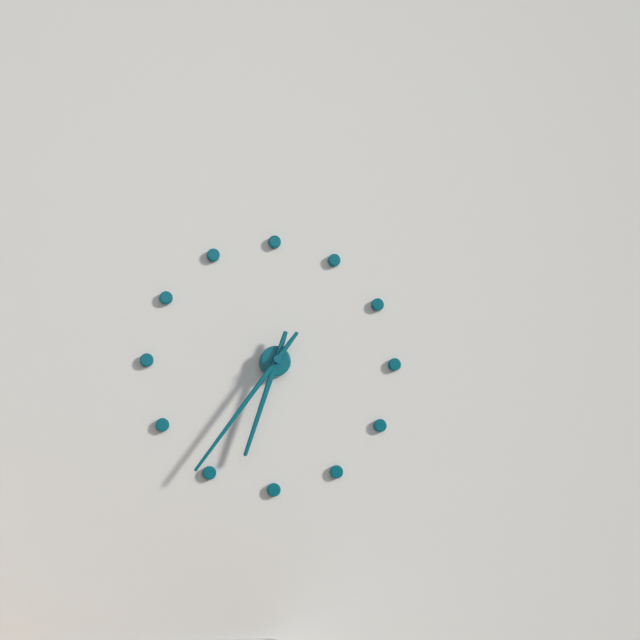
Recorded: {"hour": 6, "minute": 36}
